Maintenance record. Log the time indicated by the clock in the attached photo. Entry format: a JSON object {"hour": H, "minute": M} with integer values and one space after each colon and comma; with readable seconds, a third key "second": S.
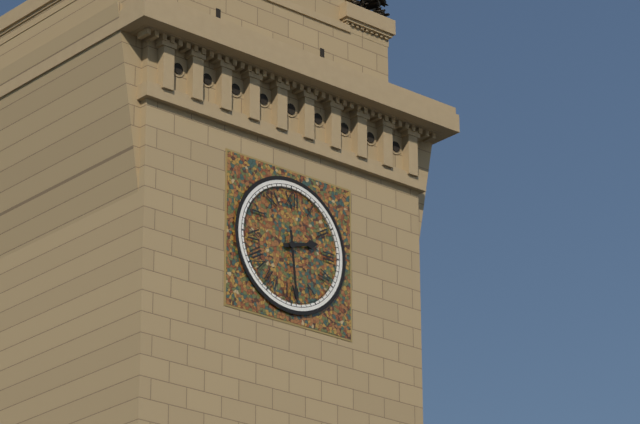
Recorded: {"hour": 2, "minute": 29}
